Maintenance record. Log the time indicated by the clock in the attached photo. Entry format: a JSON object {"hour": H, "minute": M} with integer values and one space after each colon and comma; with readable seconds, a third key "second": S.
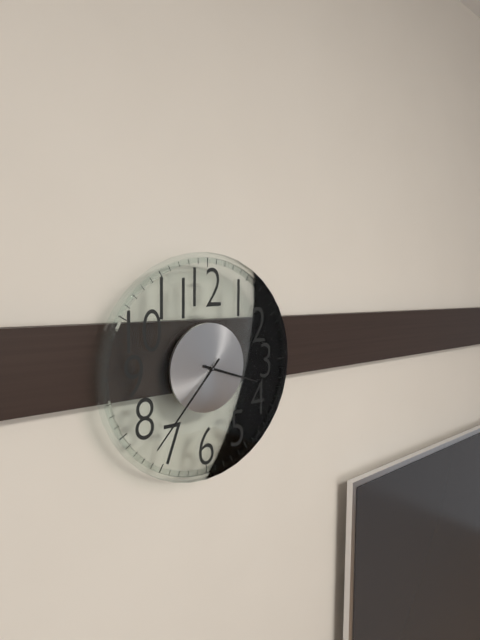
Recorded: {"hour": 3, "minute": 37}
